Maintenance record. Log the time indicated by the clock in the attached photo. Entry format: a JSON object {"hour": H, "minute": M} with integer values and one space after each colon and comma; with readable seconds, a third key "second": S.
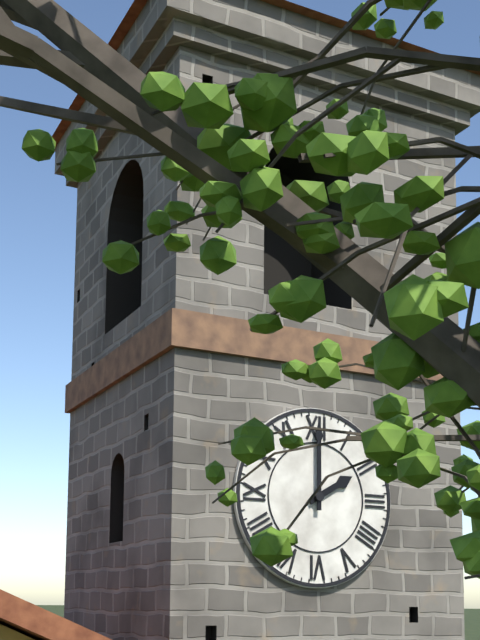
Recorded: {"hour": 2, "minute": 0}
